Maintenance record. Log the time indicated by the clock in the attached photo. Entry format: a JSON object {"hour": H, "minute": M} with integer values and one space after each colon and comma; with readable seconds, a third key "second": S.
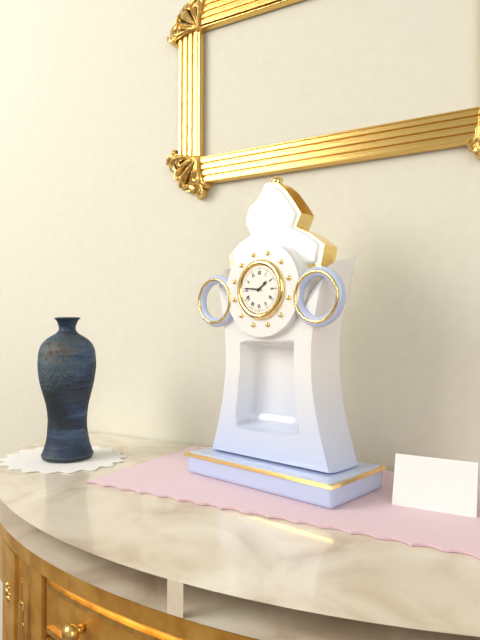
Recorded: {"hour": 1, "minute": 46}
